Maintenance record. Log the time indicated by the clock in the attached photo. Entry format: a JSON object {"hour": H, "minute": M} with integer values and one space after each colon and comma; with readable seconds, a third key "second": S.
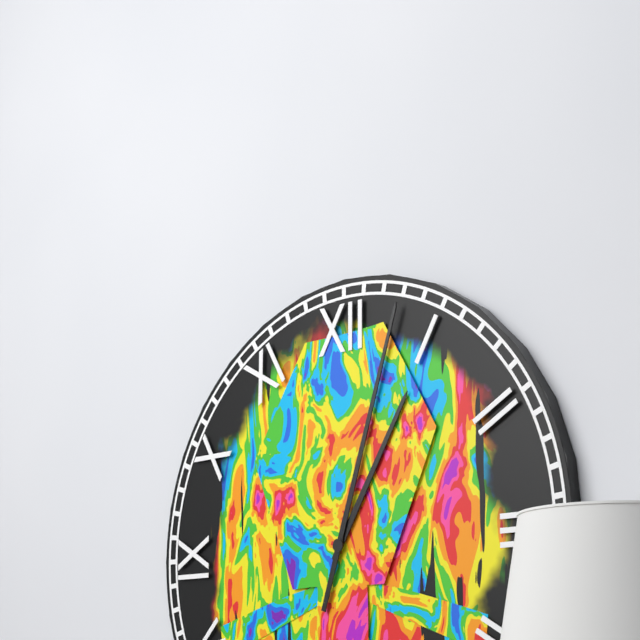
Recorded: {"hour": 1, "minute": 3}
